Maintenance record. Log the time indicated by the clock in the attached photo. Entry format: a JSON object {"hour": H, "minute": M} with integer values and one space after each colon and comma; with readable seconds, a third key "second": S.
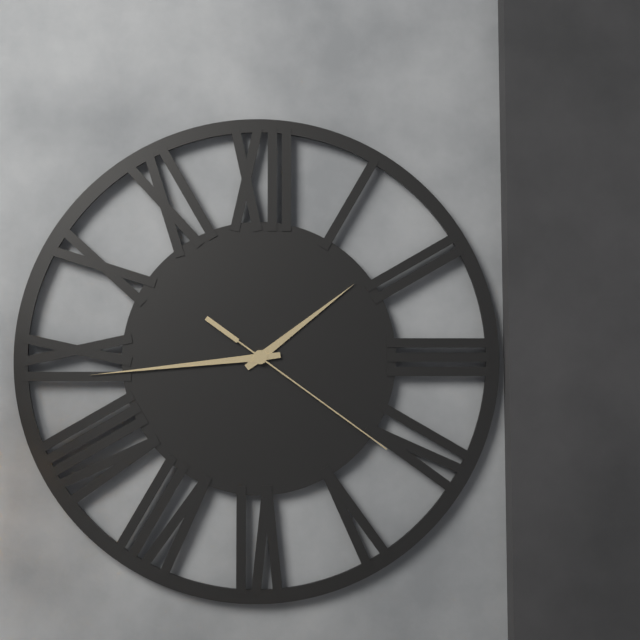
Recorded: {"hour": 1, "minute": 44, "second": 21}
